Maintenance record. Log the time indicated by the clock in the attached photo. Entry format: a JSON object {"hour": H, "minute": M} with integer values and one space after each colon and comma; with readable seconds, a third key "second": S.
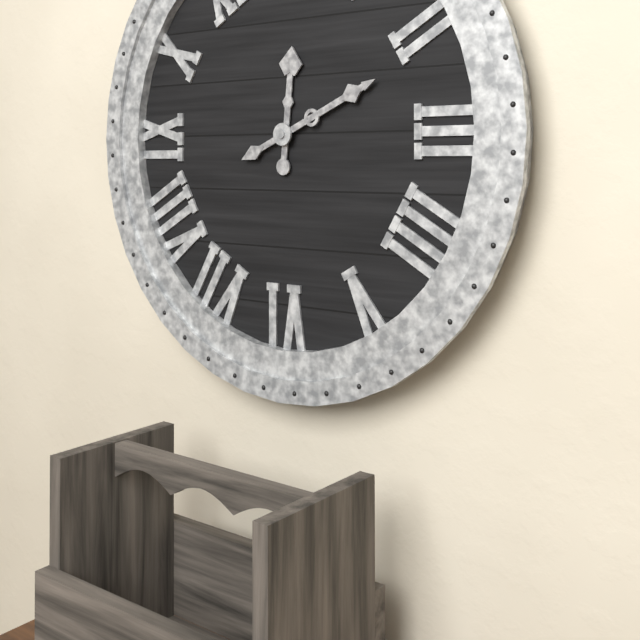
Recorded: {"hour": 12, "minute": 11}
